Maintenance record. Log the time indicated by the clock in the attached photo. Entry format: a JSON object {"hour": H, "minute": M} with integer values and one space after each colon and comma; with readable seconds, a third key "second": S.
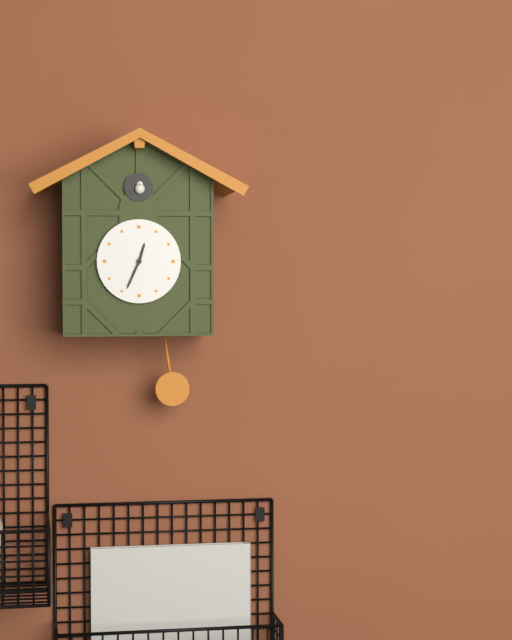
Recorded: {"hour": 12, "minute": 34}
